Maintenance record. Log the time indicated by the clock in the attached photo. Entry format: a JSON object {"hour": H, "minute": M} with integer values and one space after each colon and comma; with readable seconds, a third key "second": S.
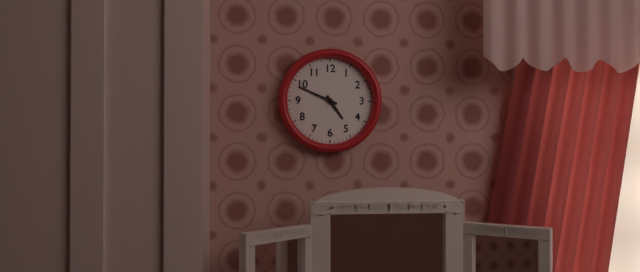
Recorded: {"hour": 4, "minute": 49}
